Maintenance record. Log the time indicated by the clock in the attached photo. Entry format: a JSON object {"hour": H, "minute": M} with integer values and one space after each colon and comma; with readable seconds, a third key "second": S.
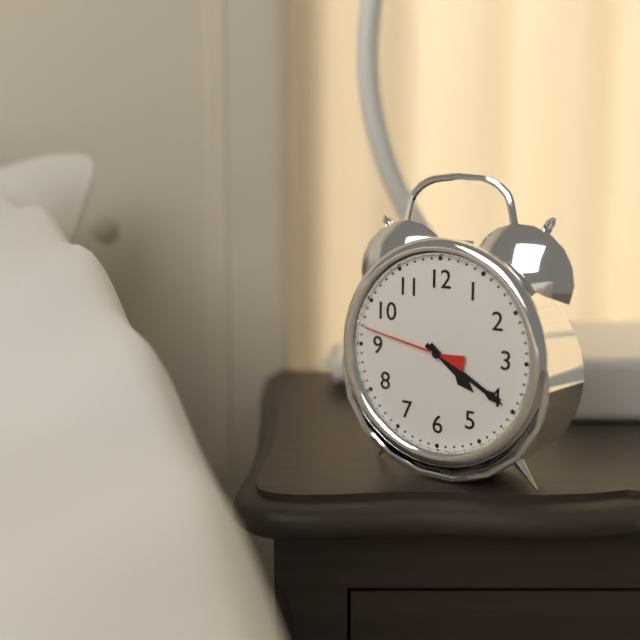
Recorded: {"hour": 4, "minute": 20, "second": 47}
